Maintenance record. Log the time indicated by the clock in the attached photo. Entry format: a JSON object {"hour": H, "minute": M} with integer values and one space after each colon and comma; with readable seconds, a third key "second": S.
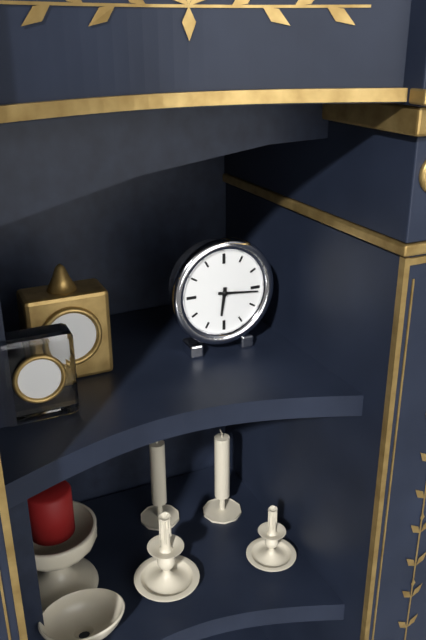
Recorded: {"hour": 6, "minute": 16}
